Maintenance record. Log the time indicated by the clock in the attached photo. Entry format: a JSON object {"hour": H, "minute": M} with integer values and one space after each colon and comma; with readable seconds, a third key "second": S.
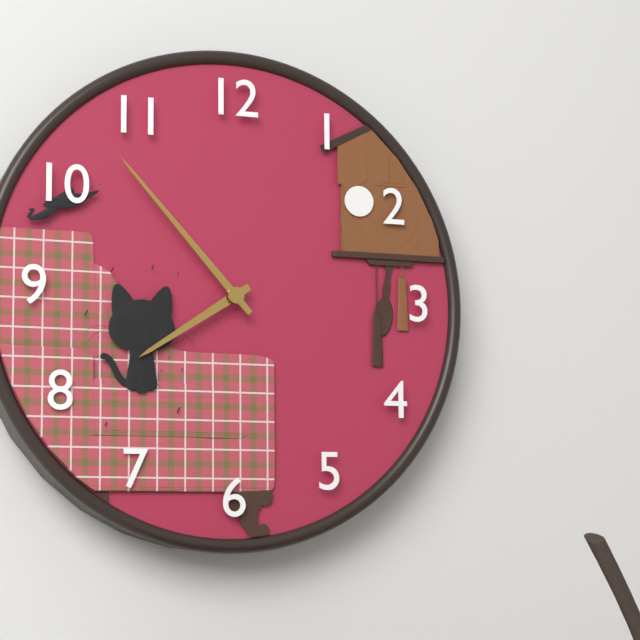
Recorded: {"hour": 7, "minute": 53}
